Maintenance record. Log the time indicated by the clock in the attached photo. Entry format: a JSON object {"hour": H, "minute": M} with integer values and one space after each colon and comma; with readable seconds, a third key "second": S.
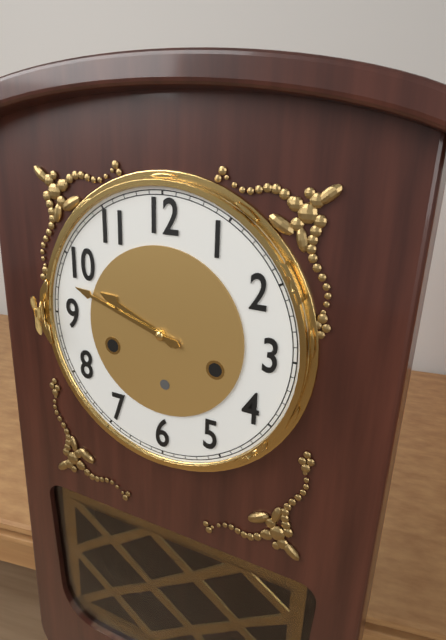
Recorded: {"hour": 9, "minute": 48}
